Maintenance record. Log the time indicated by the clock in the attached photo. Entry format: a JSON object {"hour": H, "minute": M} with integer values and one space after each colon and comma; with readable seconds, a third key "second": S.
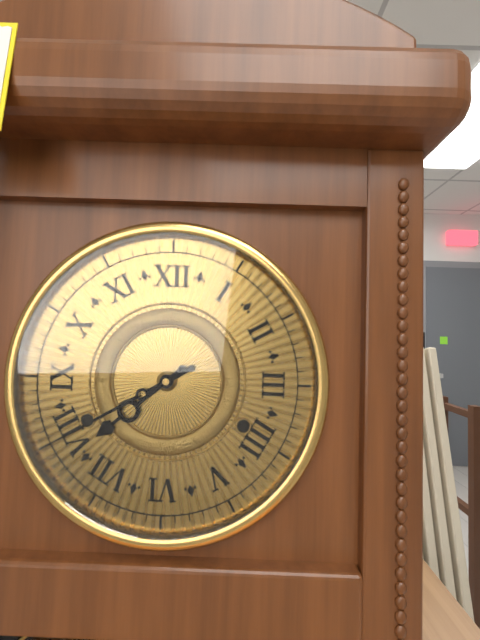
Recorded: {"hour": 7, "minute": 40}
